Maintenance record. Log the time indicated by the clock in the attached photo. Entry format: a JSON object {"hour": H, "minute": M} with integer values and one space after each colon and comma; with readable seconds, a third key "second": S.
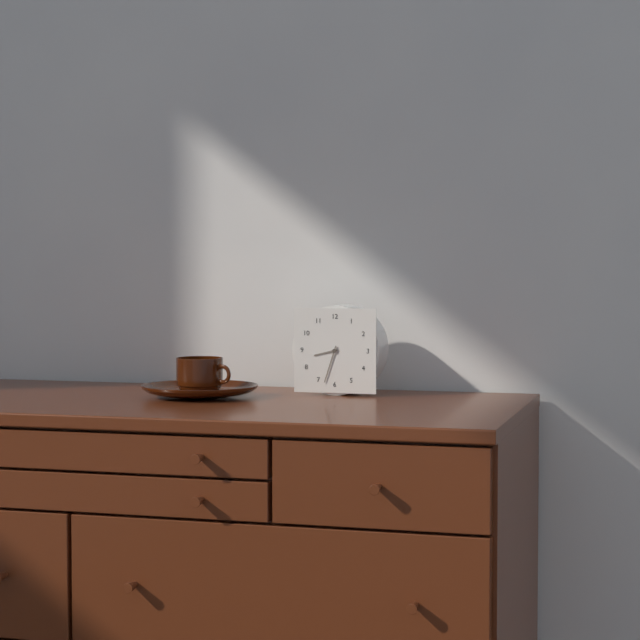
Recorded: {"hour": 8, "minute": 33}
